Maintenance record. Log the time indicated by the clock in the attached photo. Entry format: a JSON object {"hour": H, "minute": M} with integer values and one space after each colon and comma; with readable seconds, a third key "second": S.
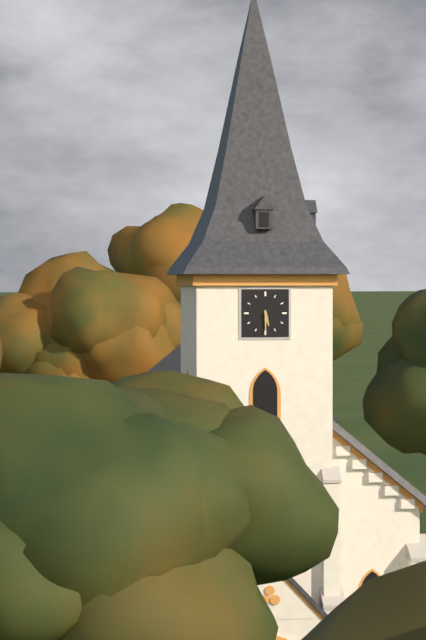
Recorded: {"hour": 5, "minute": 30}
